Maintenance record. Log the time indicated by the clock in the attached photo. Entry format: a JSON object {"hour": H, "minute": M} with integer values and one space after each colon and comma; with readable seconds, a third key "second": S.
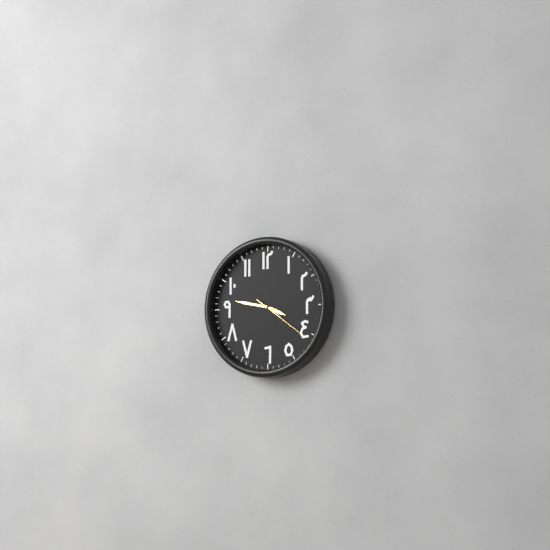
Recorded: {"hour": 3, "minute": 47, "second": 21}
